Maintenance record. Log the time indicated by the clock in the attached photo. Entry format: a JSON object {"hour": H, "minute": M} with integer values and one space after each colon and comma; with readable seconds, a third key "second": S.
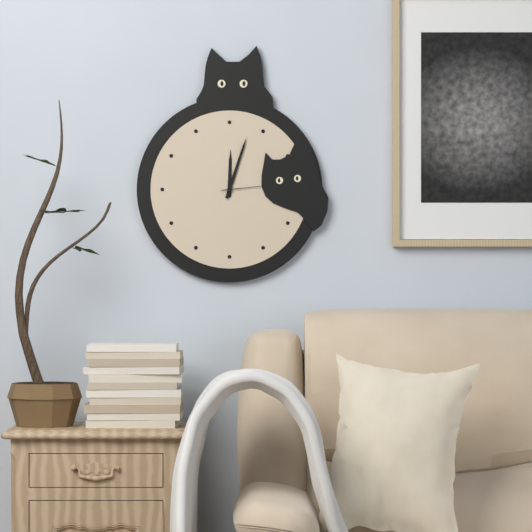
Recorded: {"hour": 12, "minute": 3}
